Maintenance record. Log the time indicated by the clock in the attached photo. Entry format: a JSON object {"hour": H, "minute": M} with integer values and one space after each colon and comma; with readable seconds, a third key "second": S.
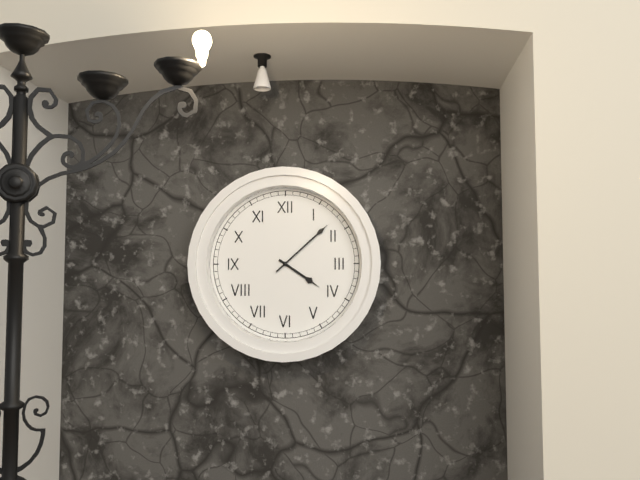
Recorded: {"hour": 4, "minute": 8}
